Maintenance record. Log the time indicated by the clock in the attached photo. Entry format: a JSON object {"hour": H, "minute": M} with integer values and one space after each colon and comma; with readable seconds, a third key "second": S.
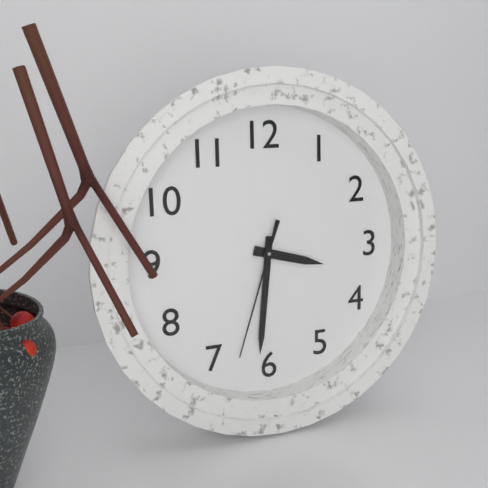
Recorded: {"hour": 3, "minute": 31, "second": 33}
